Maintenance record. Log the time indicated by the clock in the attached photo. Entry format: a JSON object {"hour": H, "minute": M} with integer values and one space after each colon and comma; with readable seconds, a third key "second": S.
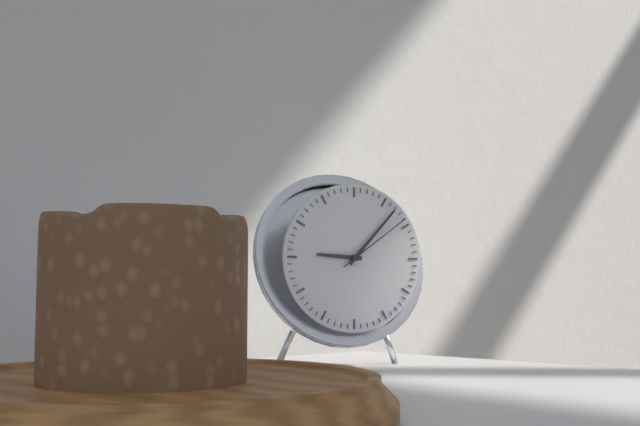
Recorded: {"hour": 9, "minute": 7, "second": 9}
